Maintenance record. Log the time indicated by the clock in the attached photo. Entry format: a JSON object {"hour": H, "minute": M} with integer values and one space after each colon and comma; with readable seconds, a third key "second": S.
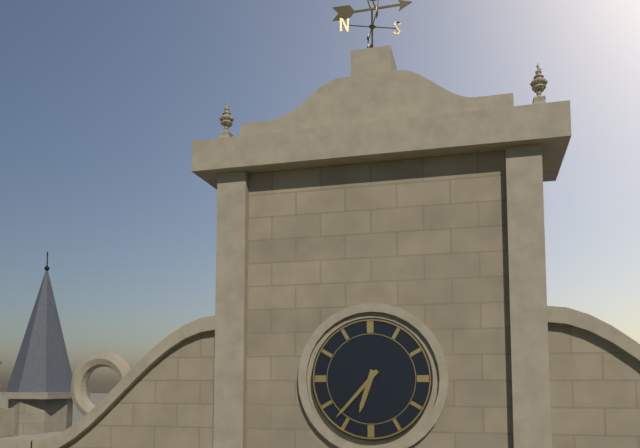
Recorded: {"hour": 6, "minute": 37}
